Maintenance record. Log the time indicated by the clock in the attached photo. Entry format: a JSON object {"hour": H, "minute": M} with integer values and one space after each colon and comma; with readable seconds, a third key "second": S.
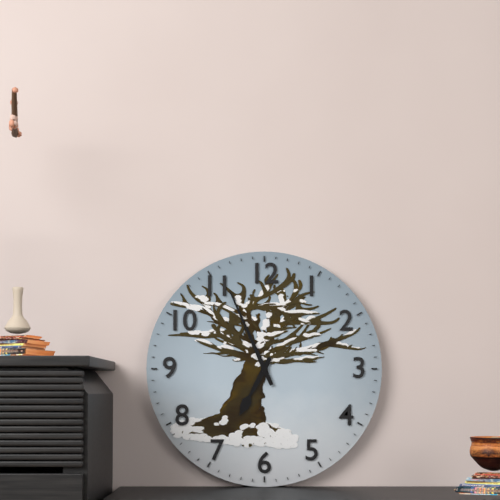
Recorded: {"hour": 6, "minute": 56}
